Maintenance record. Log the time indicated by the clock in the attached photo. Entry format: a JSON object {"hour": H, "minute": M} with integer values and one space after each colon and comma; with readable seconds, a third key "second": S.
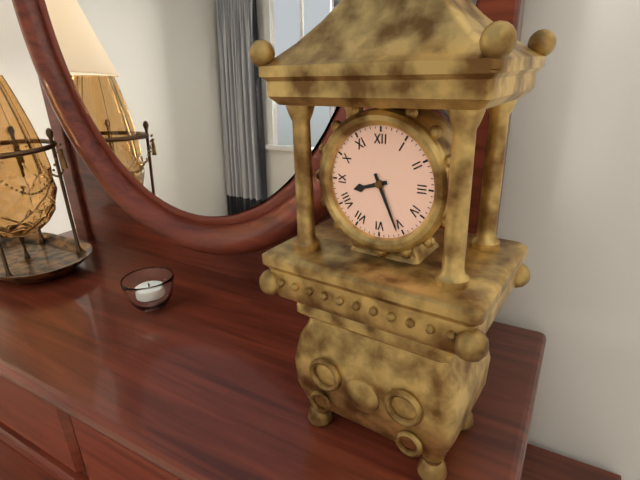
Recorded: {"hour": 8, "minute": 26}
